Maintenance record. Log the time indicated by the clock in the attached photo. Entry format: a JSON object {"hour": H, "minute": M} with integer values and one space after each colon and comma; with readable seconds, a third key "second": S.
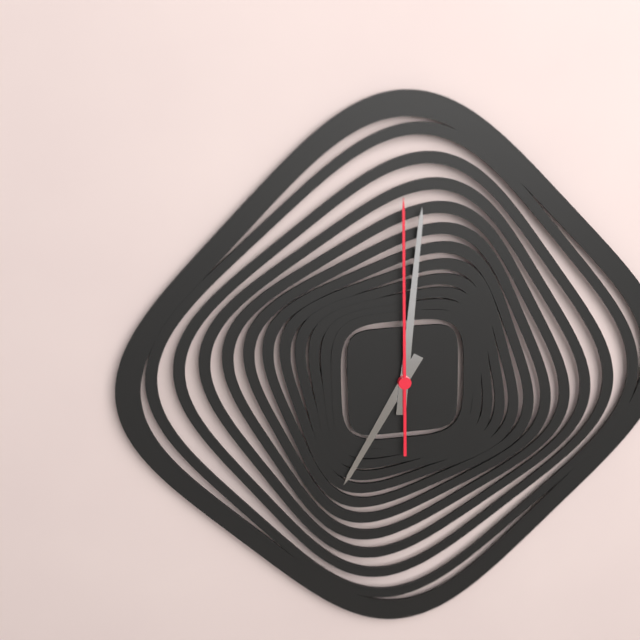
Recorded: {"hour": 7, "minute": 1, "second": 0}
